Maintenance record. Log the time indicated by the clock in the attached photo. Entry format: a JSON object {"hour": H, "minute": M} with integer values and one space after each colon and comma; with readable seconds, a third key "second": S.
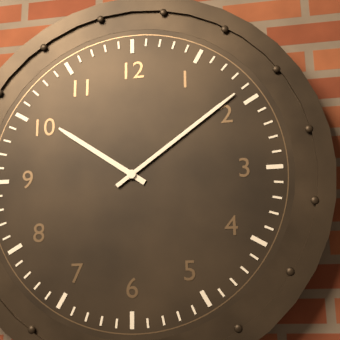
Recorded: {"hour": 10, "minute": 9}
